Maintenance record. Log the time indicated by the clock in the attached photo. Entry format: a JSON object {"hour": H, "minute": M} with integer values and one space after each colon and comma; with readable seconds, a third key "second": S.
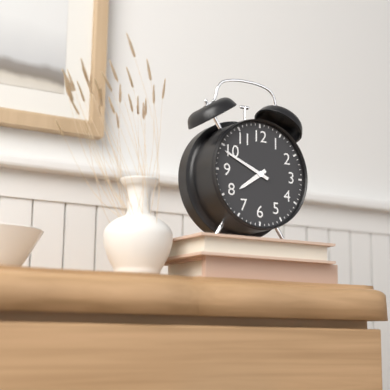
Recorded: {"hour": 7, "minute": 49}
